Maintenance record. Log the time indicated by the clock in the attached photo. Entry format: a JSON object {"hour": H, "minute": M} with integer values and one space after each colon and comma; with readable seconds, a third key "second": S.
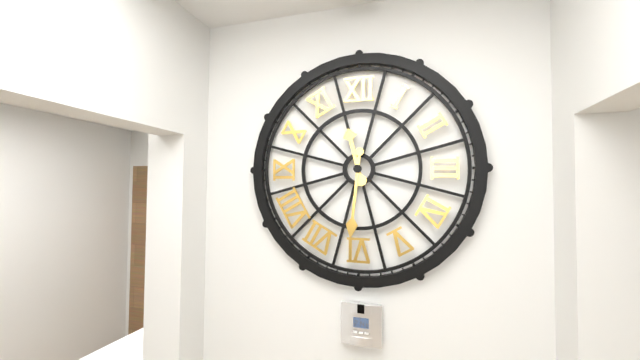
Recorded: {"hour": 11, "minute": 31}
